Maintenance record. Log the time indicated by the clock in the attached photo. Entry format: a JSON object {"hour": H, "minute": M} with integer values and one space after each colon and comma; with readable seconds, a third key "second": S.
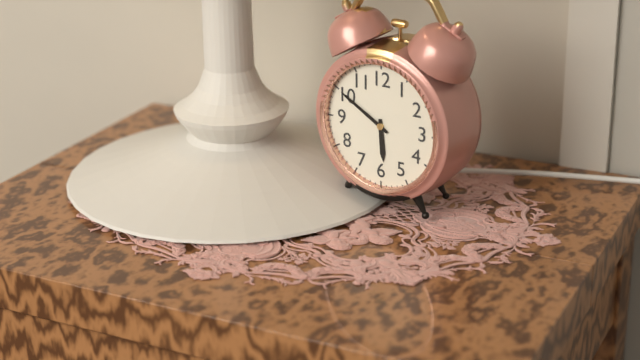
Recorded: {"hour": 5, "minute": 50}
